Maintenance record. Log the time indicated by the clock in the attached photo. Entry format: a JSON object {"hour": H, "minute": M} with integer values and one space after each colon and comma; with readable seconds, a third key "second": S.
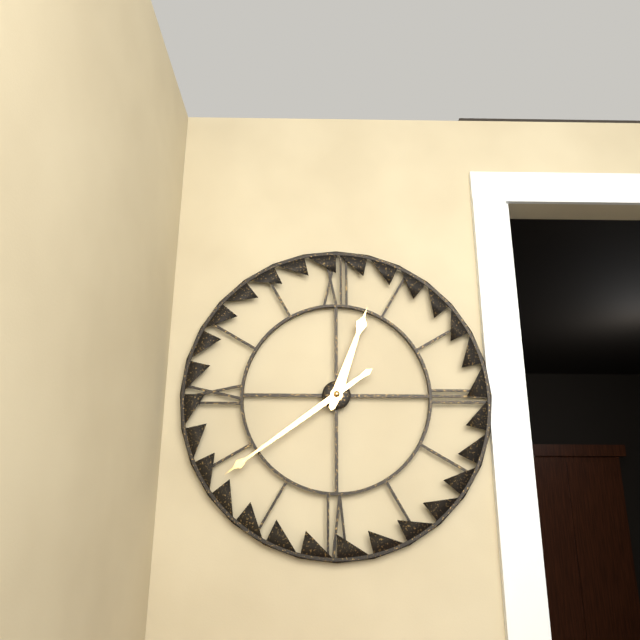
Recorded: {"hour": 12, "minute": 39}
